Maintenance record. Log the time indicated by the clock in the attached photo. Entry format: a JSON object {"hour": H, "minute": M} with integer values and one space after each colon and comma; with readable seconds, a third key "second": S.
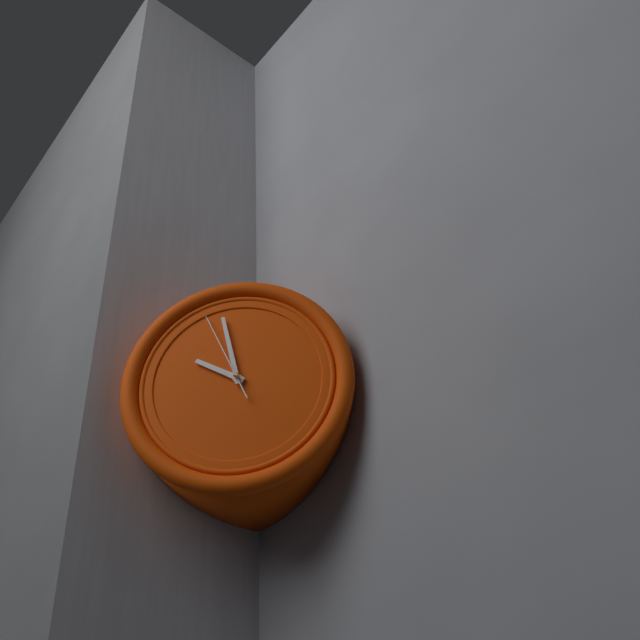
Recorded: {"hour": 9, "minute": 58, "second": 56}
